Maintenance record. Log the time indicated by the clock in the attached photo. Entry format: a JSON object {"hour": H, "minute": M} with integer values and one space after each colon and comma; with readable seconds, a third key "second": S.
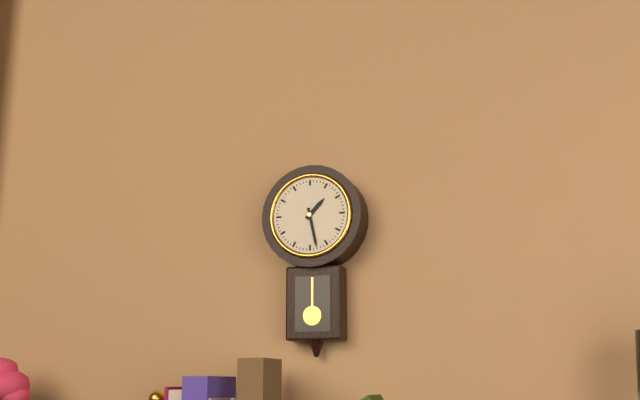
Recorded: {"hour": 1, "minute": 28}
